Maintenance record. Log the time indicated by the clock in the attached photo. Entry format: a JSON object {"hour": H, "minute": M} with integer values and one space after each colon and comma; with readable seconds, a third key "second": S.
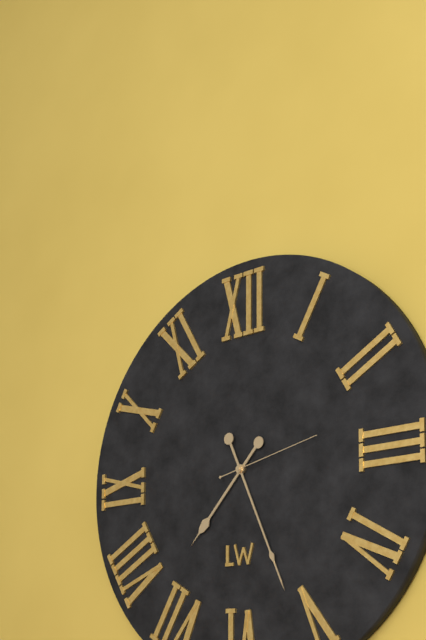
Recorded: {"hour": 7, "minute": 26, "second": 13}
